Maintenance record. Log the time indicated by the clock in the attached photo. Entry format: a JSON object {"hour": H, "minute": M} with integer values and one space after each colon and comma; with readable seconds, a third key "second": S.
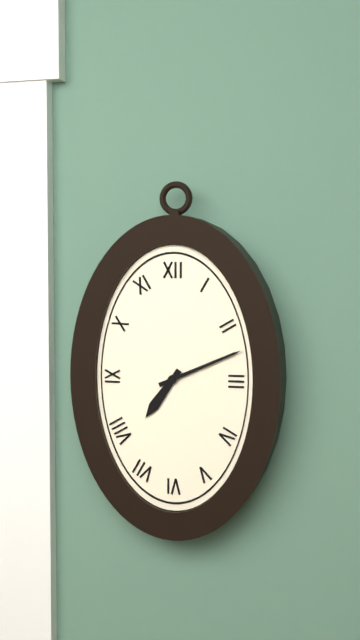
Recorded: {"hour": 7, "minute": 11}
